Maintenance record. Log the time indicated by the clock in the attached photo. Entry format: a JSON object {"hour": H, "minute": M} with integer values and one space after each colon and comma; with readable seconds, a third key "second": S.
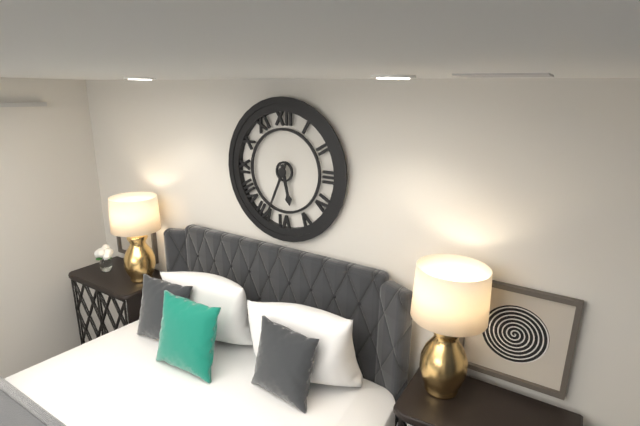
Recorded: {"hour": 5, "minute": 34}
